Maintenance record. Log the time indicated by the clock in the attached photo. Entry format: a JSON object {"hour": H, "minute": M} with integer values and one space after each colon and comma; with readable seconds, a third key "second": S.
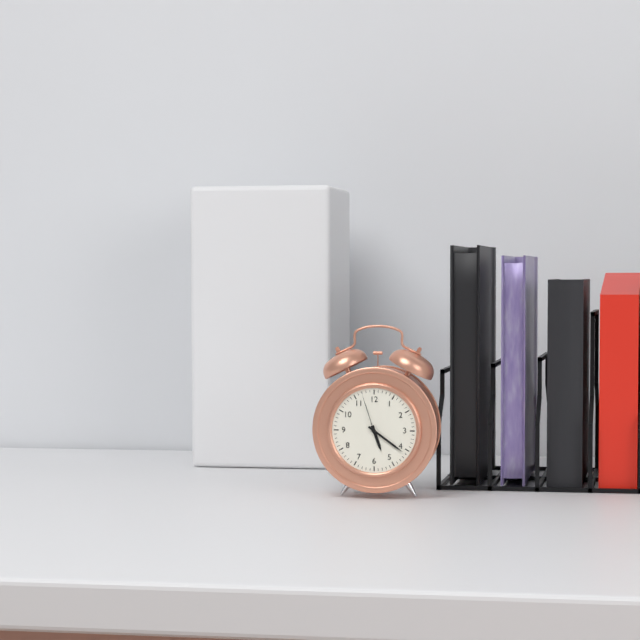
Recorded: {"hour": 5, "minute": 21}
